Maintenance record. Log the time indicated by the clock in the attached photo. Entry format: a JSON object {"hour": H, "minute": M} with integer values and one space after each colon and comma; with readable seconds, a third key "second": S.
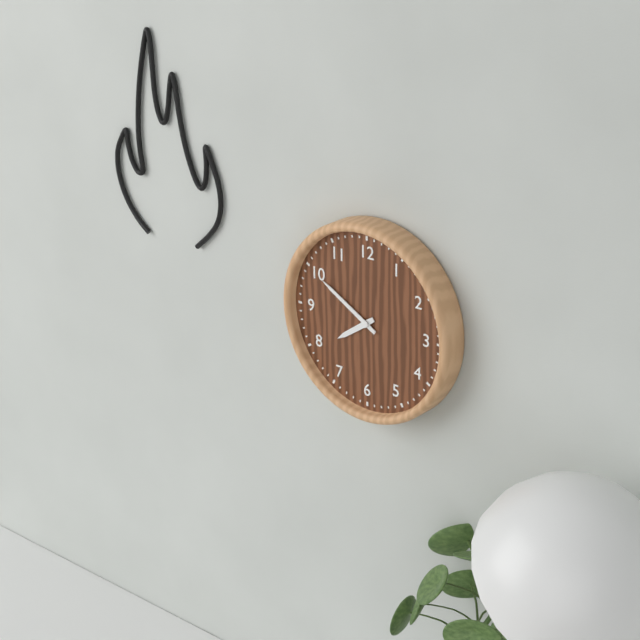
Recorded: {"hour": 7, "minute": 50}
